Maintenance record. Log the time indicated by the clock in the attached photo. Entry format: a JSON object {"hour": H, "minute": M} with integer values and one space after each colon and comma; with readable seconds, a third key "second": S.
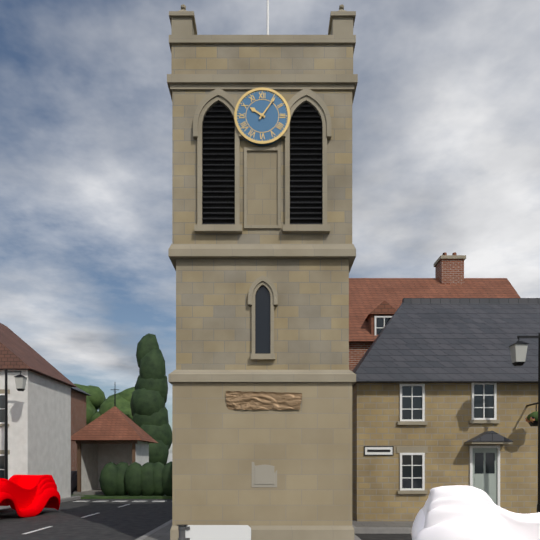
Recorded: {"hour": 10, "minute": 6}
